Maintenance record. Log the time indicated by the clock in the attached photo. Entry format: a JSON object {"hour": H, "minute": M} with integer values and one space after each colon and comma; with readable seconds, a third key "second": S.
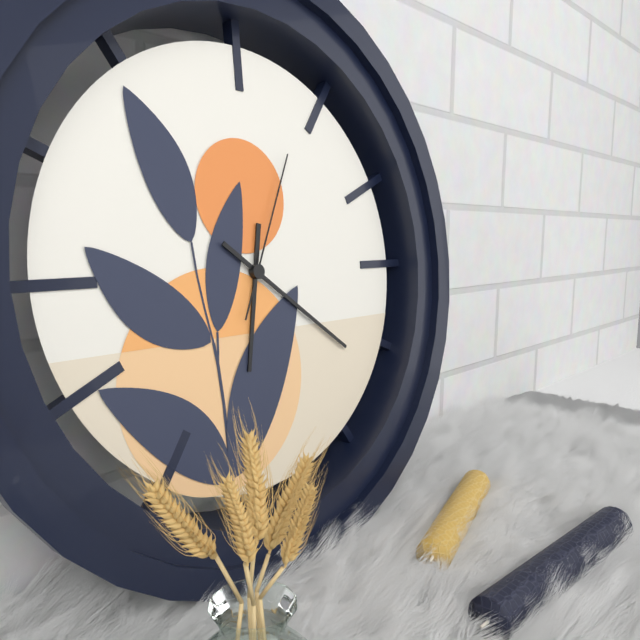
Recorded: {"hour": 6, "minute": 21, "second": 4}
